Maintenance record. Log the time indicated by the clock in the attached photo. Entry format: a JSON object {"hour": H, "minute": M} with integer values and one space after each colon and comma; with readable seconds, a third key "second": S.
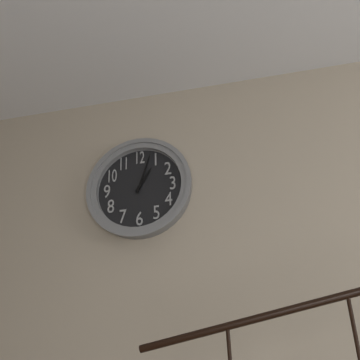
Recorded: {"hour": 1, "minute": 3}
